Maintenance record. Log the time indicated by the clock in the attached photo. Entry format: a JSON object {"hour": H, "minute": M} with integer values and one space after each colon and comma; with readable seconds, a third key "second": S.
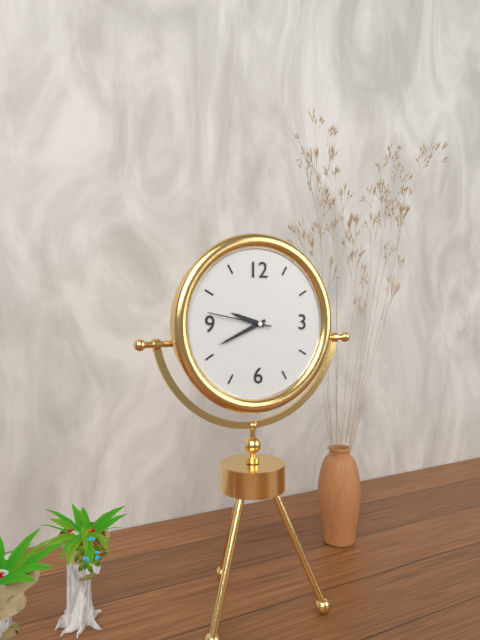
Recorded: {"hour": 9, "minute": 41, "second": 47}
